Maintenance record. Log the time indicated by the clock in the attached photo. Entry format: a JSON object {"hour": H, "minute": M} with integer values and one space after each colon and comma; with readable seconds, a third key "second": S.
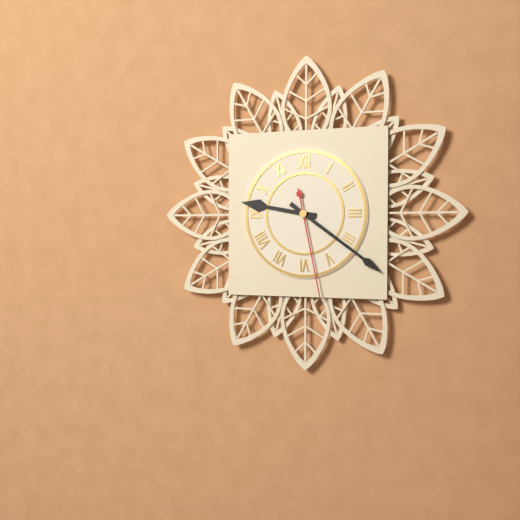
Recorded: {"hour": 9, "minute": 21, "second": 28}
